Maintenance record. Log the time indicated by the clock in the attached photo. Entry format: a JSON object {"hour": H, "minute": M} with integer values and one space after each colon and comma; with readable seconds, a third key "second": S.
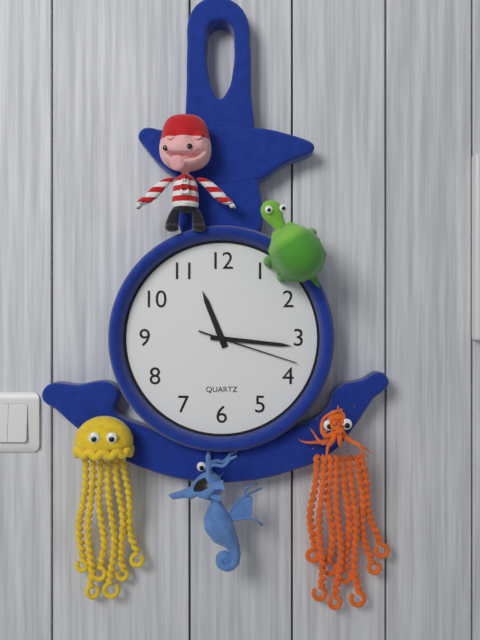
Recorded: {"hour": 11, "minute": 16, "second": 18}
